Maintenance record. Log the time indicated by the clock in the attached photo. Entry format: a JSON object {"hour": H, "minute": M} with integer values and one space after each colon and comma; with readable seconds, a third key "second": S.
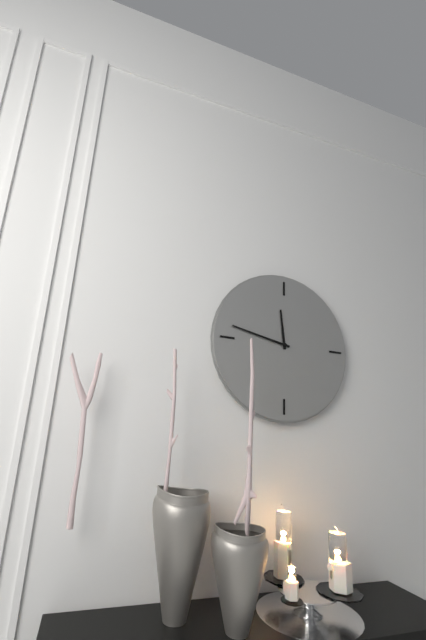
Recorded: {"hour": 11, "minute": 47}
